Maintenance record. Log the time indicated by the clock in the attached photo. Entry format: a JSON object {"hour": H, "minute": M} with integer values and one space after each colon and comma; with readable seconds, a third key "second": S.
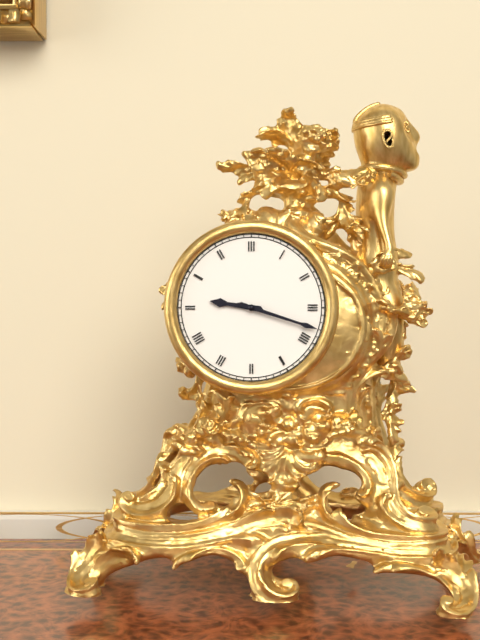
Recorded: {"hour": 9, "minute": 18}
